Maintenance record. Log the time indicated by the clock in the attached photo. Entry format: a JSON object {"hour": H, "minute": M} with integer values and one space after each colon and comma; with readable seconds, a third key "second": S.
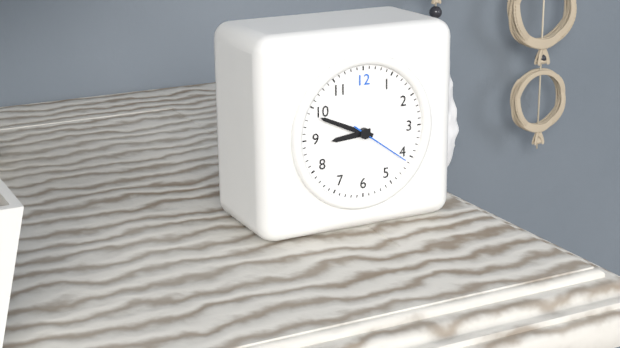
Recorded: {"hour": 8, "minute": 49, "second": 21}
